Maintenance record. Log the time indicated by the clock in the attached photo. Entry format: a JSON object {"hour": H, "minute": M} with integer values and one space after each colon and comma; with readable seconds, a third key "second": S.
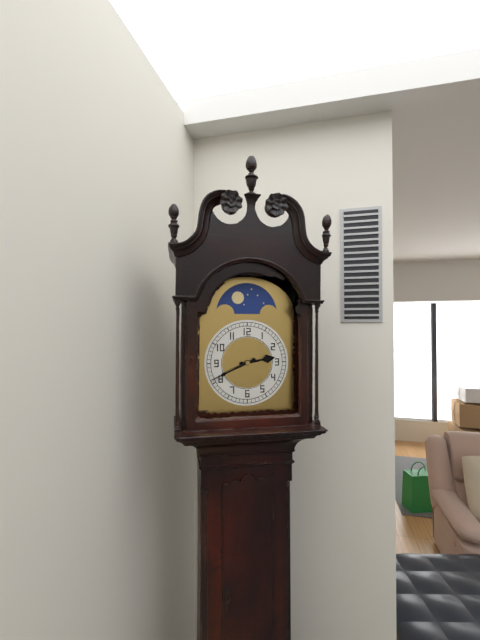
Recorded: {"hour": 2, "minute": 41}
